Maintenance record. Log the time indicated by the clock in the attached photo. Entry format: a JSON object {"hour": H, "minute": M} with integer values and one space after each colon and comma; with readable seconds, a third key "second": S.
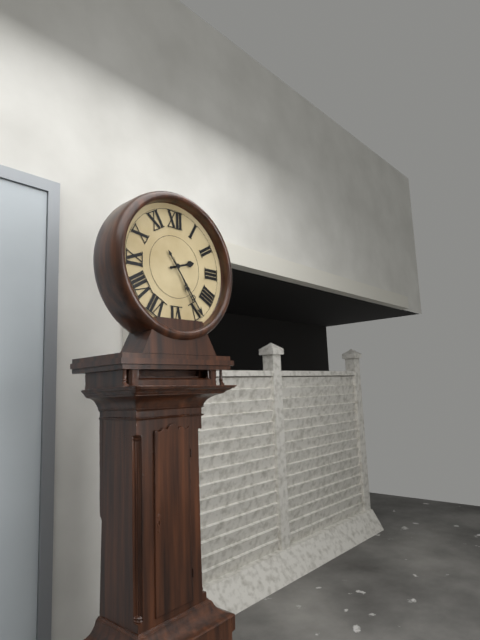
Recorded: {"hour": 2, "minute": 24, "second": 25}
